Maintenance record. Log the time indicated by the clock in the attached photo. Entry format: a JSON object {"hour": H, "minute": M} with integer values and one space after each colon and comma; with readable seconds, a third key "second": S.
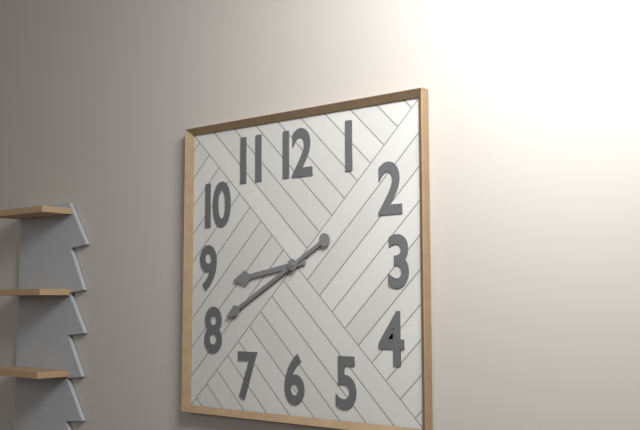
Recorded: {"hour": 8, "minute": 40}
